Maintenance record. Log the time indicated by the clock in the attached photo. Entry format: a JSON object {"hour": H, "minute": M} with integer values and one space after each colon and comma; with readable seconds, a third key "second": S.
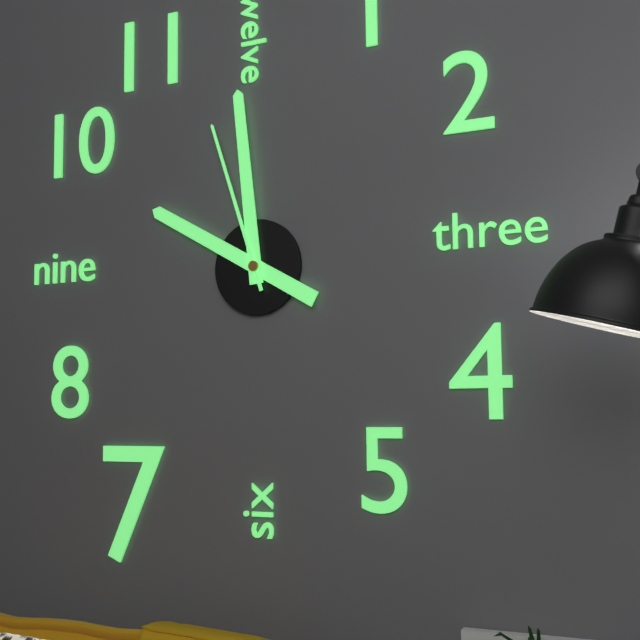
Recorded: {"hour": 9, "minute": 59, "second": 57}
